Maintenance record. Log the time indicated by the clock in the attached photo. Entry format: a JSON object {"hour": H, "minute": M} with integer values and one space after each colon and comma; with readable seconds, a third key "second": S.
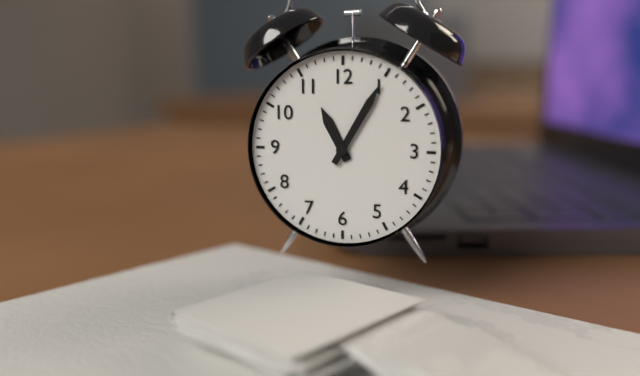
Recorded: {"hour": 11, "minute": 5}
